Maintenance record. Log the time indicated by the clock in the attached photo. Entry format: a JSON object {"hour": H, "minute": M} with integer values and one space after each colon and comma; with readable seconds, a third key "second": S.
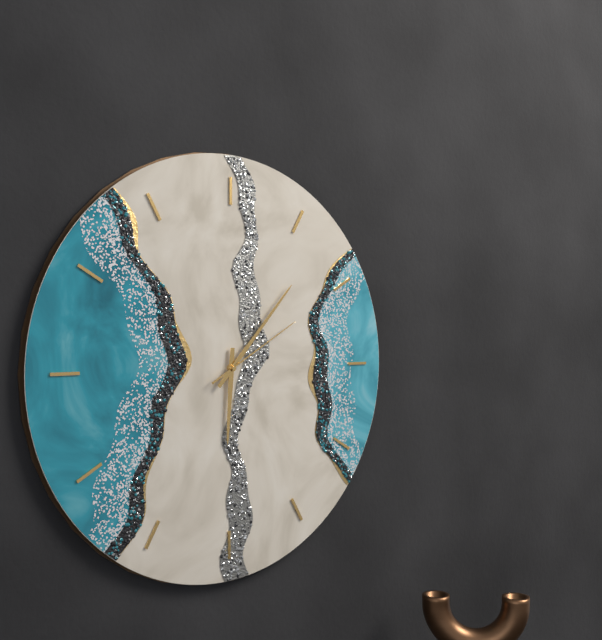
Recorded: {"hour": 6, "minute": 7, "second": 10}
